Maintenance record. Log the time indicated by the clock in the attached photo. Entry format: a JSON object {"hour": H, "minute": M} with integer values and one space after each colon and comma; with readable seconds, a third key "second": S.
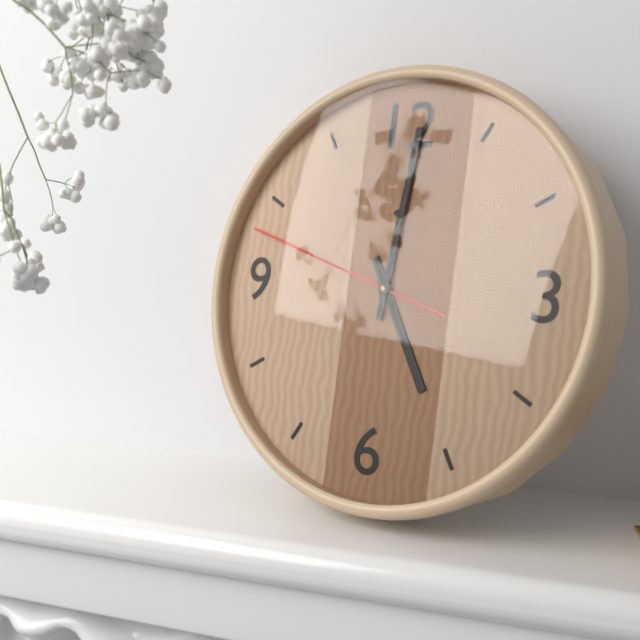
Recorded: {"hour": 5, "minute": 1, "second": 48}
